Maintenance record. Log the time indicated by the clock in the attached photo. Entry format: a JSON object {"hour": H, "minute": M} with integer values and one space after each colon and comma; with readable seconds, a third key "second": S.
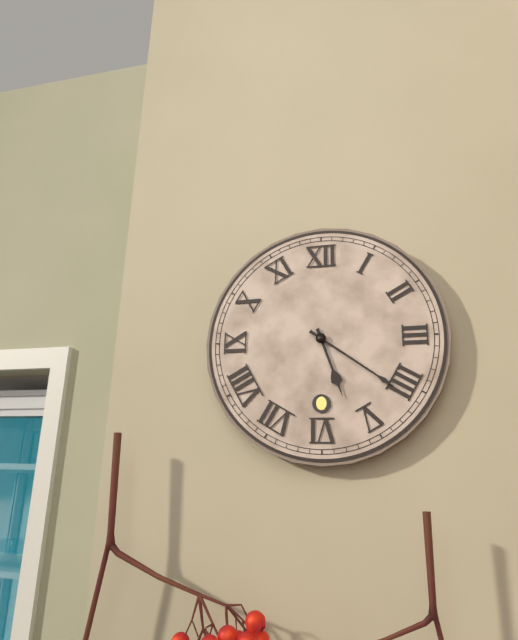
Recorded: {"hour": 5, "minute": 21}
